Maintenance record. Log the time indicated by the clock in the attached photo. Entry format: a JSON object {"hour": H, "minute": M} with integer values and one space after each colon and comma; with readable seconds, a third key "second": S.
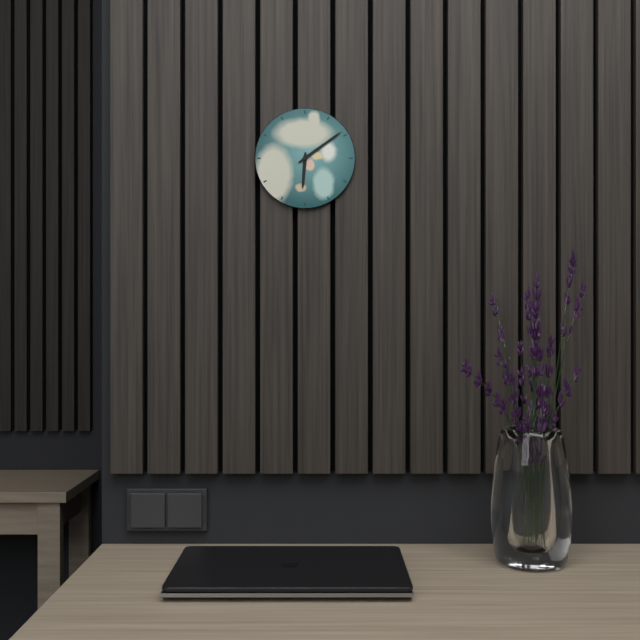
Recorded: {"hour": 6, "minute": 9}
